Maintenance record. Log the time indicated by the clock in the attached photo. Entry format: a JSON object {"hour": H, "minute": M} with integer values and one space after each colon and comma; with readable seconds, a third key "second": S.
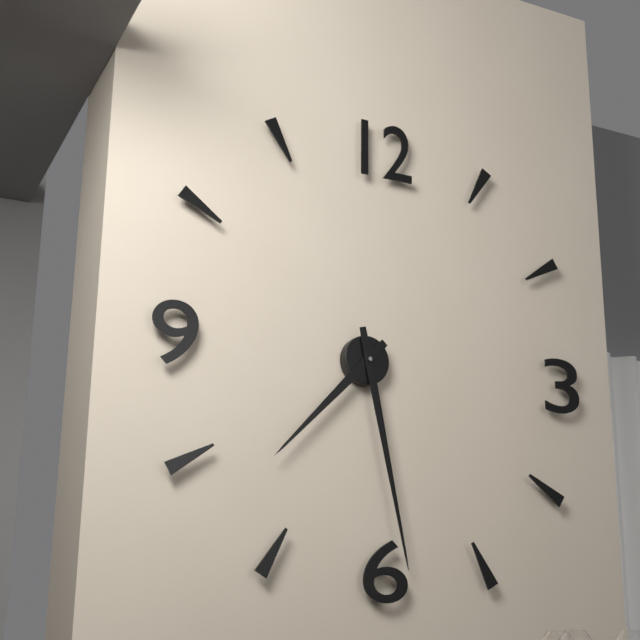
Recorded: {"hour": 7, "minute": 28}
